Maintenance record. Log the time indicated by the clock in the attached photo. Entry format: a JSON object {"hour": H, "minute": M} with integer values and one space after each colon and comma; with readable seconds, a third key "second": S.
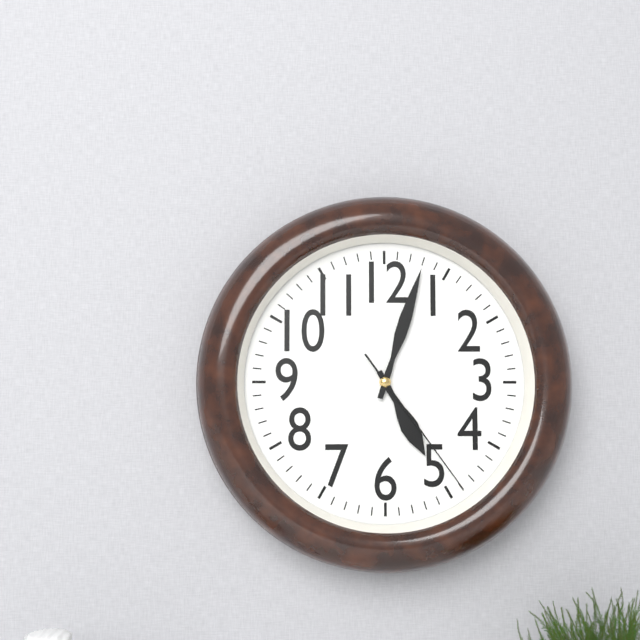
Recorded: {"hour": 5, "minute": 3, "second": 24}
